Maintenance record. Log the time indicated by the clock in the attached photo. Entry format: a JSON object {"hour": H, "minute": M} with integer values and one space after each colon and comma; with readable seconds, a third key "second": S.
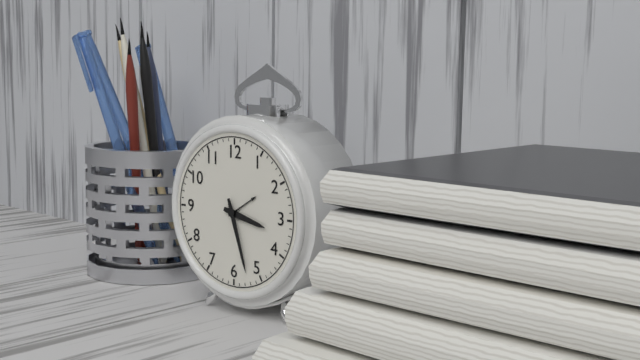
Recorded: {"hour": 3, "minute": 27}
